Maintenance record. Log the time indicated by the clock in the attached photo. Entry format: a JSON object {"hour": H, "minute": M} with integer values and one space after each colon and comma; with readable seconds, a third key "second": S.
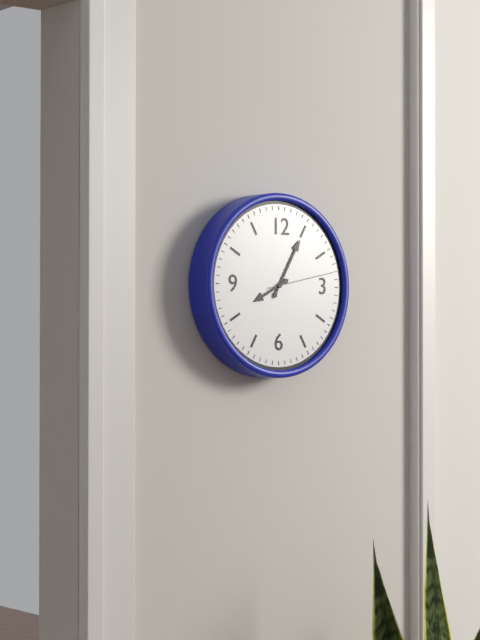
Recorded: {"hour": 8, "minute": 5, "second": 13}
